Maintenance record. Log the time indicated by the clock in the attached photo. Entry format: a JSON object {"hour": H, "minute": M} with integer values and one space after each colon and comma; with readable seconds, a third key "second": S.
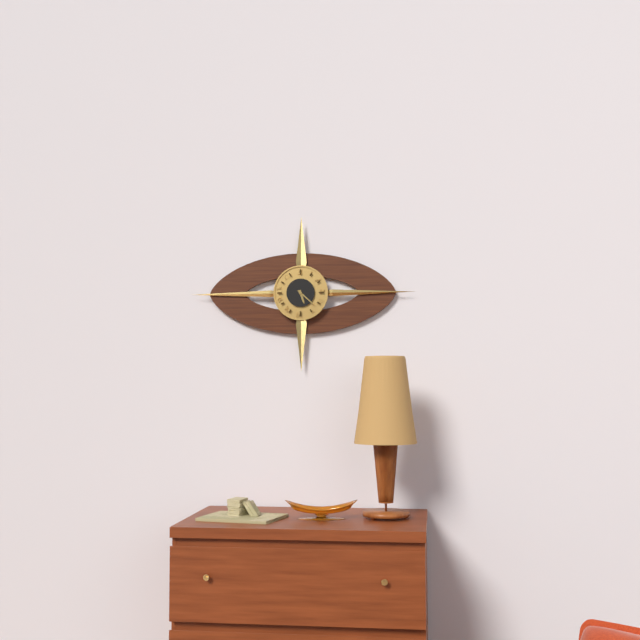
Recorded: {"hour": 5, "minute": 22}
